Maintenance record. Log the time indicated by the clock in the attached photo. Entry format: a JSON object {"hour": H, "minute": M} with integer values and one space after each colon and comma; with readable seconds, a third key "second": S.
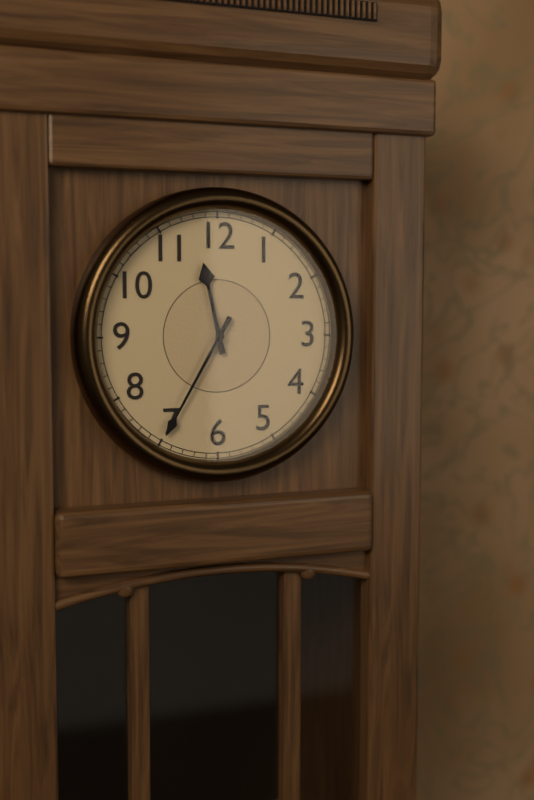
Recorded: {"hour": 11, "minute": 35}
